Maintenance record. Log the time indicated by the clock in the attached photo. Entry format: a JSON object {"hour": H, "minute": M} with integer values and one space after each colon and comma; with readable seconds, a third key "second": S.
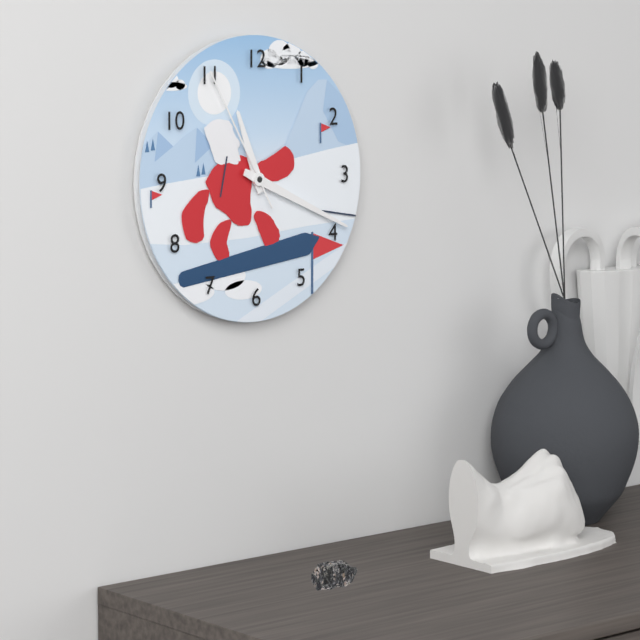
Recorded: {"hour": 11, "minute": 19, "second": 55}
